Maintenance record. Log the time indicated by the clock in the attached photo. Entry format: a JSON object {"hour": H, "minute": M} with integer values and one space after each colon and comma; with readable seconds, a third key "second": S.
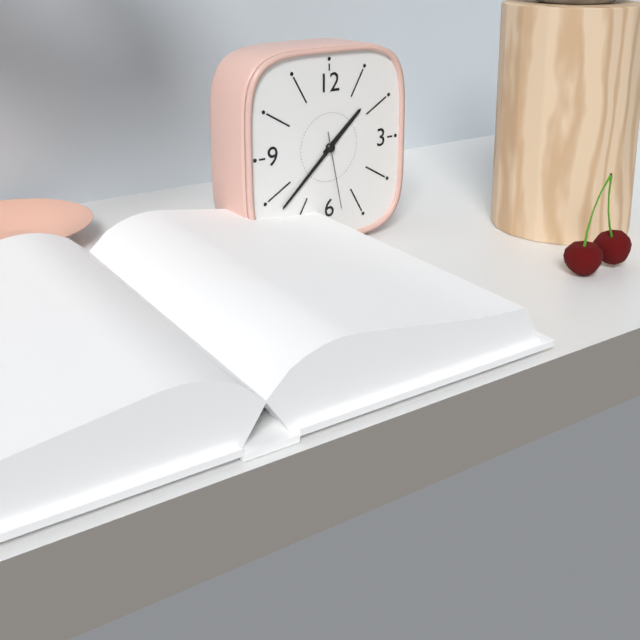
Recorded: {"hour": 1, "minute": 38, "second": 28}
